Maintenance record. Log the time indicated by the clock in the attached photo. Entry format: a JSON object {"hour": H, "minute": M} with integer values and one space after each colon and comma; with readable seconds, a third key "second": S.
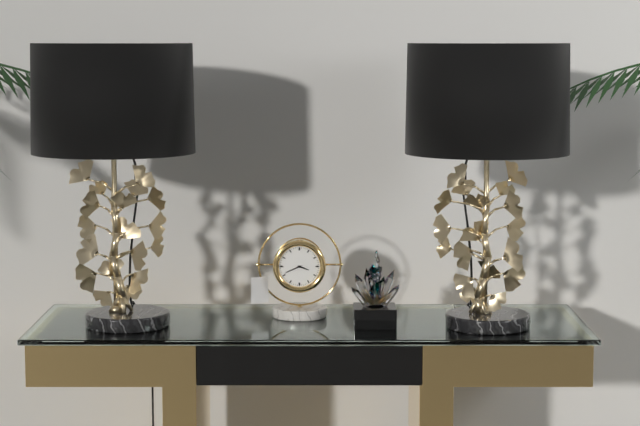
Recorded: {"hour": 3, "minute": 41}
